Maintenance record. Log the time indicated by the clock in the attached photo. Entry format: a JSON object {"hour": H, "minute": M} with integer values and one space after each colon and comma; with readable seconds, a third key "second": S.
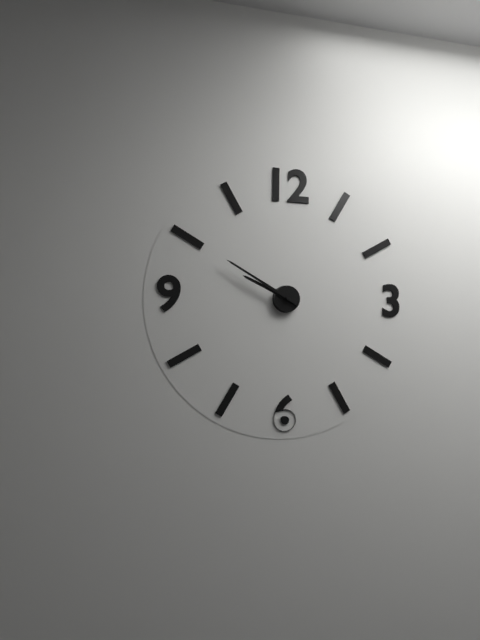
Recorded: {"hour": 9, "minute": 50}
